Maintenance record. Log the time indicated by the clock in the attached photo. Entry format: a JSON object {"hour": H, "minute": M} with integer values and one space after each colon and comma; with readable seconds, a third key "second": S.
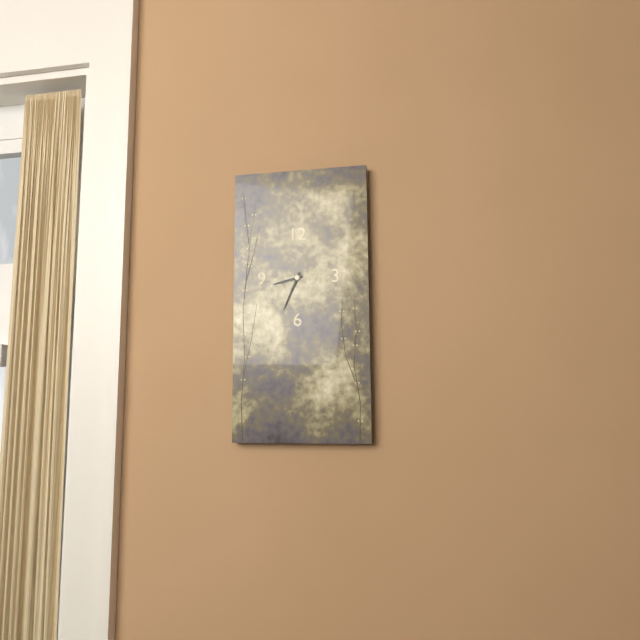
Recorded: {"hour": 8, "minute": 34}
